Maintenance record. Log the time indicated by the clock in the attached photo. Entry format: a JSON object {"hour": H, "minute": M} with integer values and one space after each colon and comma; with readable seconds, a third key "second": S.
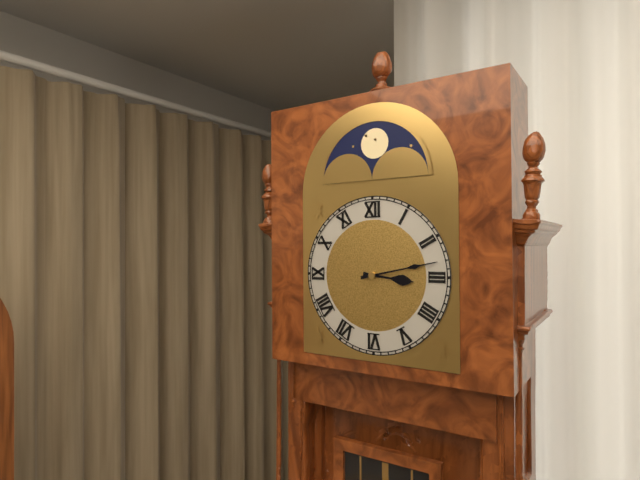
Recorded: {"hour": 3, "minute": 13}
